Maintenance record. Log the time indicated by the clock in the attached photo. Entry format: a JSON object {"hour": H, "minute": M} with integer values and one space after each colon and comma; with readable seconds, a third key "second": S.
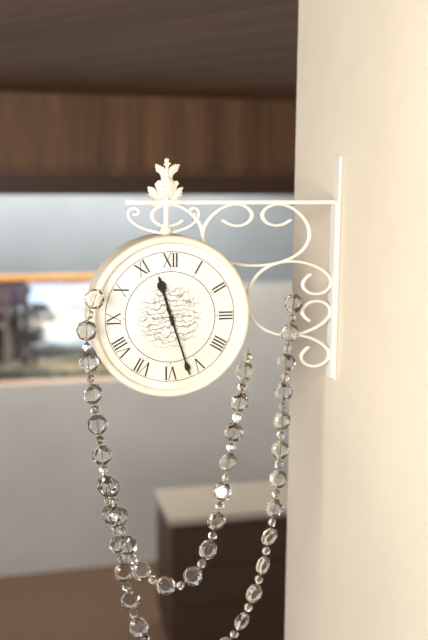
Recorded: {"hour": 11, "minute": 27}
